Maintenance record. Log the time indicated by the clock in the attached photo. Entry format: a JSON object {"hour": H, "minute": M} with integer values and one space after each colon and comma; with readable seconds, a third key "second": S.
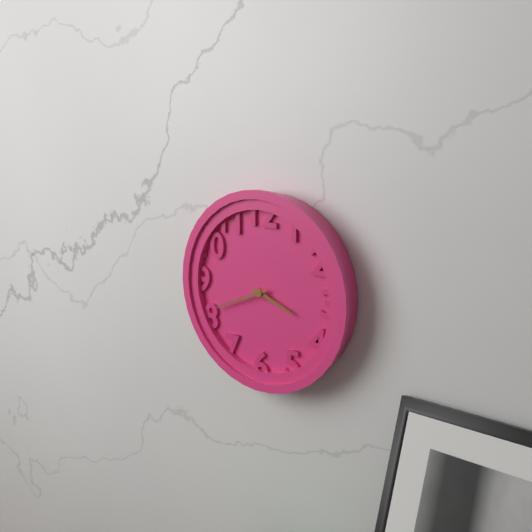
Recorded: {"hour": 3, "minute": 41}
